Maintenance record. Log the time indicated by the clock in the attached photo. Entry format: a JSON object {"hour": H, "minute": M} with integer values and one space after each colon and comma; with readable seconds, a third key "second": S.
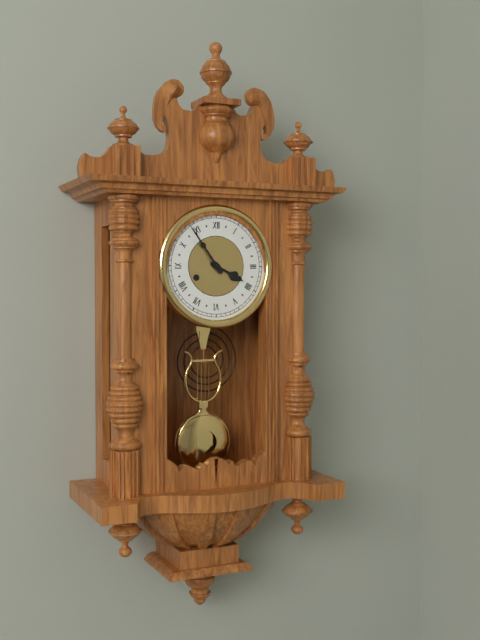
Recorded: {"hour": 3, "minute": 54}
